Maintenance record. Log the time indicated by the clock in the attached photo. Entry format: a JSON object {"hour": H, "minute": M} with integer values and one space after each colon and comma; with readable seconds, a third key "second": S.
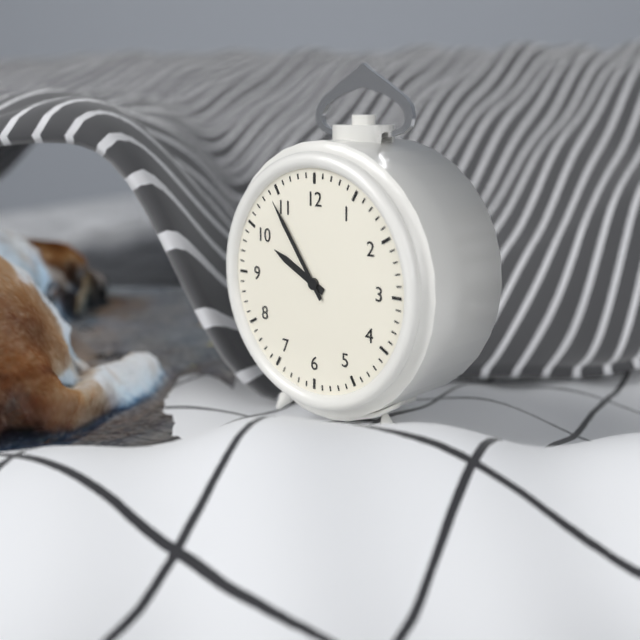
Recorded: {"hour": 9, "minute": 54}
